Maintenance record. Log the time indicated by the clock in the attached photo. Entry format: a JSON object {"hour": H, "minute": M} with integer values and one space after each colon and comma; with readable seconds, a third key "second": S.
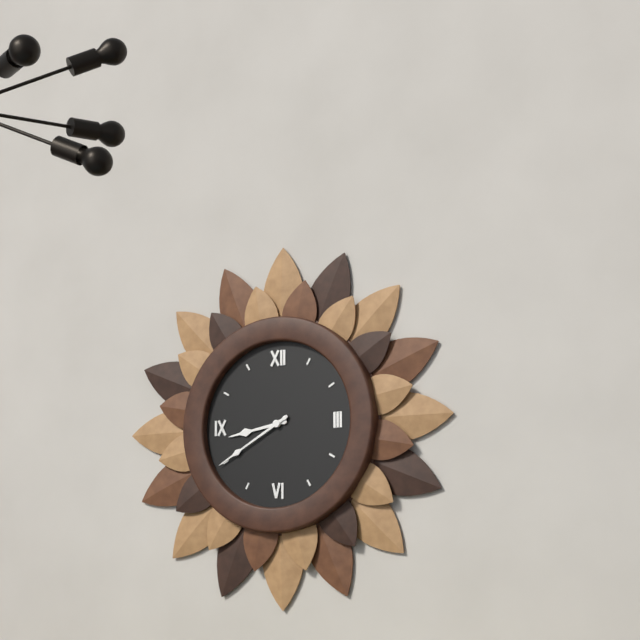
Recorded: {"hour": 8, "minute": 40}
